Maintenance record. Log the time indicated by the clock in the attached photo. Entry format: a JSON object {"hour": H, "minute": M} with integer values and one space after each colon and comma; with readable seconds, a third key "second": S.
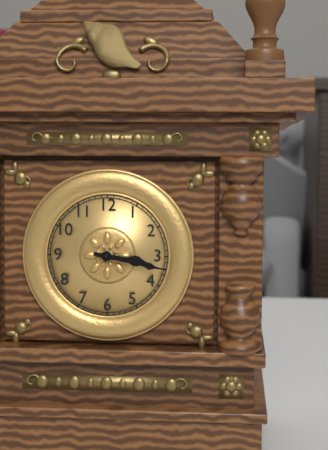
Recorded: {"hour": 3, "minute": 17}
